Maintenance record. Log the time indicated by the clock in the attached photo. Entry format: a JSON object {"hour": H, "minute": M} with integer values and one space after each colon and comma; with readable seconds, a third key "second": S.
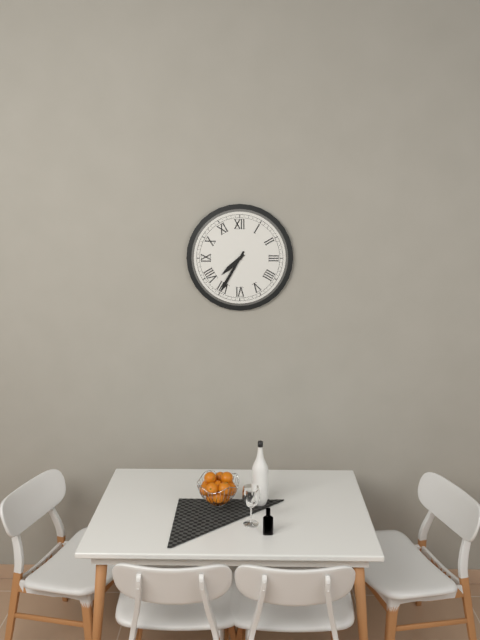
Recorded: {"hour": 7, "minute": 35}
